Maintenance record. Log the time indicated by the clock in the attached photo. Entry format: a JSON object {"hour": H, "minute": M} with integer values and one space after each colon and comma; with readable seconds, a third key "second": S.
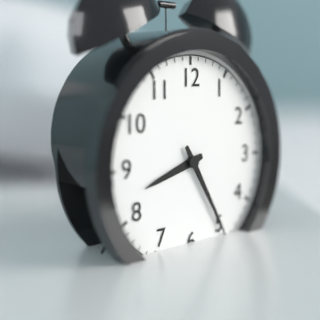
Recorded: {"hour": 8, "minute": 25}
